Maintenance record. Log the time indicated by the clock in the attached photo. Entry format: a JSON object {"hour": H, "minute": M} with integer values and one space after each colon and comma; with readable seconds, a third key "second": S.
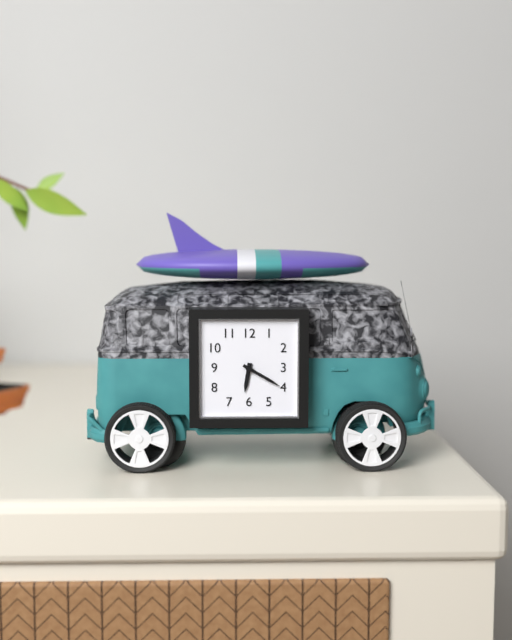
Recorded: {"hour": 6, "minute": 20}
